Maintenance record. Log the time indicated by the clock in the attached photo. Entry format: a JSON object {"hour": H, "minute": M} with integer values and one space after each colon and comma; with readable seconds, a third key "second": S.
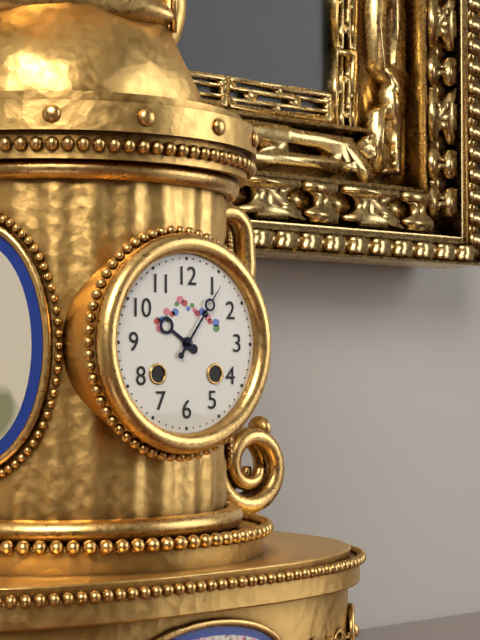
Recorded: {"hour": 10, "minute": 6}
